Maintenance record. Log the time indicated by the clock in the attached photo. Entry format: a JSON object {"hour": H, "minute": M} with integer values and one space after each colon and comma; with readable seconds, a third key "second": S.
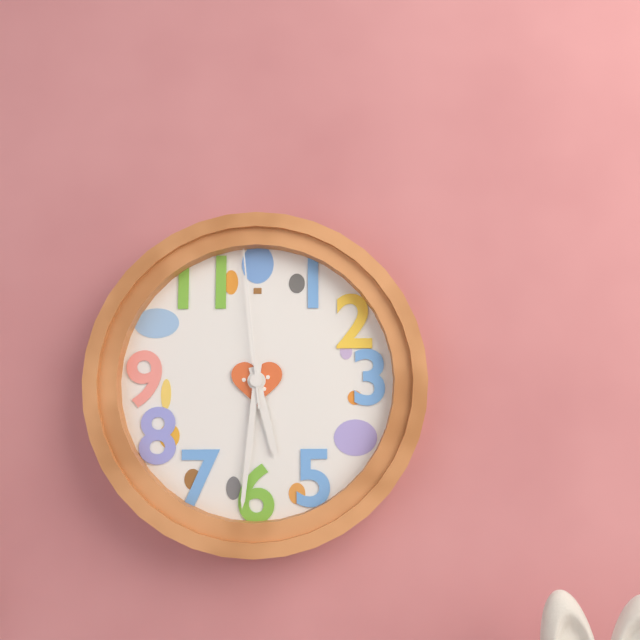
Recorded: {"hour": 5, "minute": 31, "second": 59}
